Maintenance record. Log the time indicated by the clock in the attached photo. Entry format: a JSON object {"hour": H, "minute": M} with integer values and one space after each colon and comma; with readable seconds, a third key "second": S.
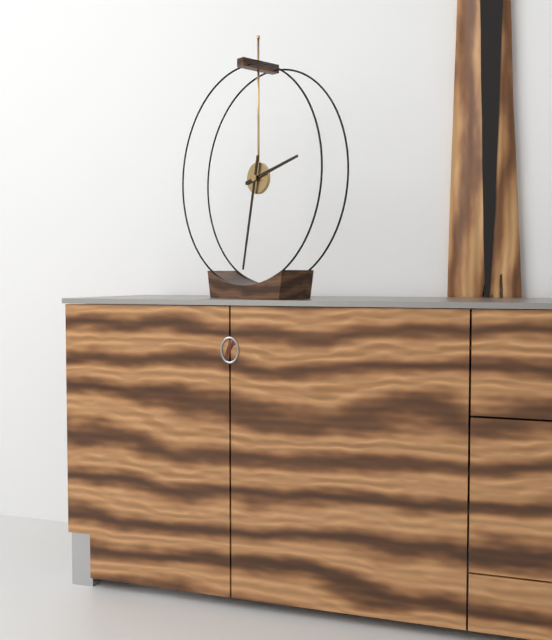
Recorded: {"hour": 2, "minute": 32}
